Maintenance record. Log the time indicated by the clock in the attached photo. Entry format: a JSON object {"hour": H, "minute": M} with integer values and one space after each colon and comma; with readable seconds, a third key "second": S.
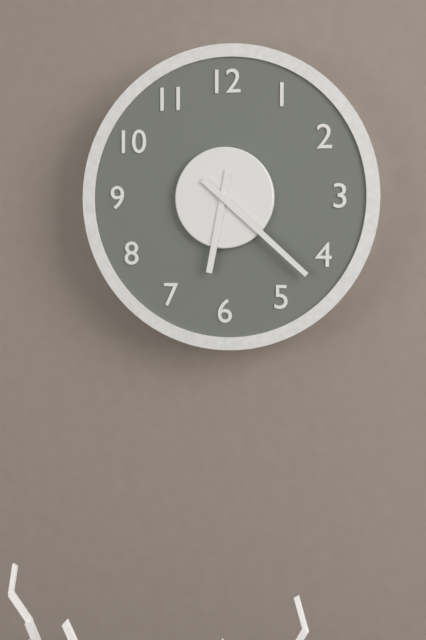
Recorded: {"hour": 6, "minute": 22}
